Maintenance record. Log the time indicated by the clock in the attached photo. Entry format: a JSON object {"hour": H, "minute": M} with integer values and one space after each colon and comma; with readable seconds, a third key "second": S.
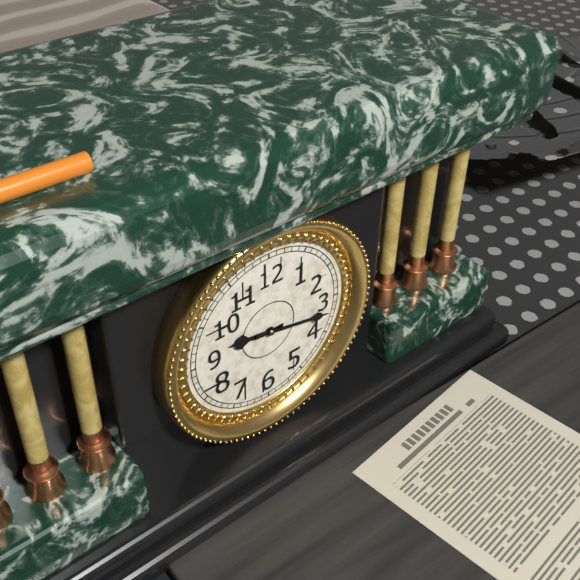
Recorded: {"hour": 9, "minute": 17}
